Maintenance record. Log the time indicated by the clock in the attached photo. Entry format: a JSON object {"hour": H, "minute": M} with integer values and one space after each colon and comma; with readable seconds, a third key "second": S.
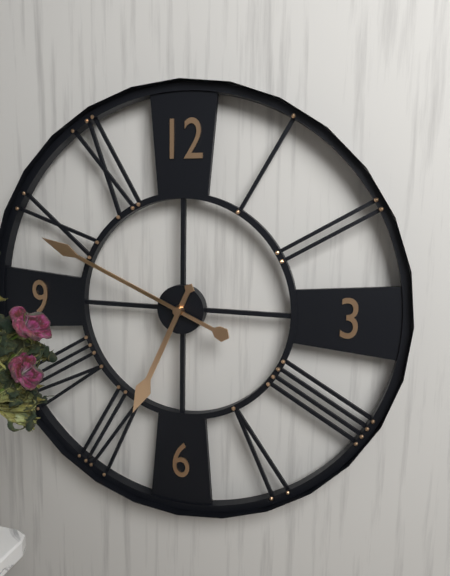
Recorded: {"hour": 6, "minute": 49}
